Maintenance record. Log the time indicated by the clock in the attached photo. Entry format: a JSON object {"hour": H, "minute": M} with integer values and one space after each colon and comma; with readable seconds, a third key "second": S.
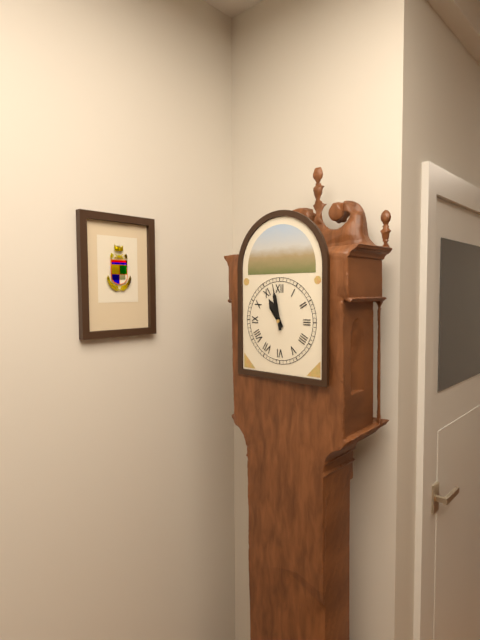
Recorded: {"hour": 10, "minute": 58}
